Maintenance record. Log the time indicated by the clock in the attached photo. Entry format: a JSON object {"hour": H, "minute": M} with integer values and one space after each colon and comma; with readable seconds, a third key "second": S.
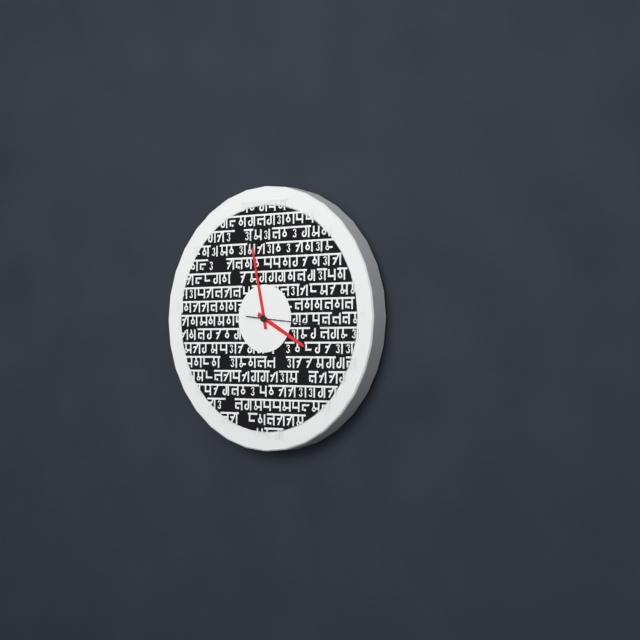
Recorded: {"hour": 3, "minute": 58, "second": 16}
